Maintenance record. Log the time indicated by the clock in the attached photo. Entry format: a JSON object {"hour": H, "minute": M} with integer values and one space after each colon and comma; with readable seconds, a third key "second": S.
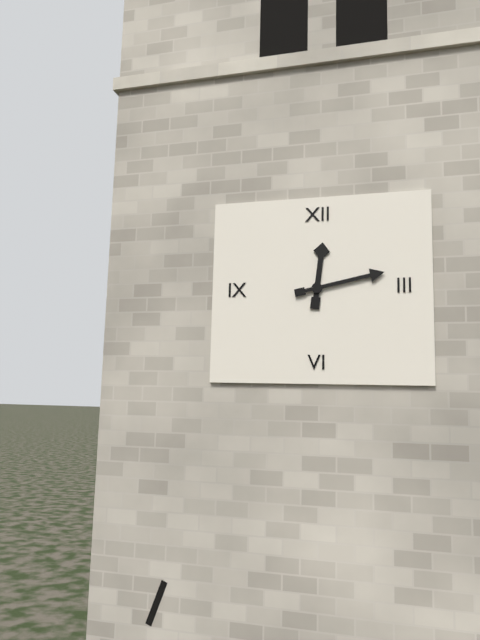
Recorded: {"hour": 12, "minute": 13}
